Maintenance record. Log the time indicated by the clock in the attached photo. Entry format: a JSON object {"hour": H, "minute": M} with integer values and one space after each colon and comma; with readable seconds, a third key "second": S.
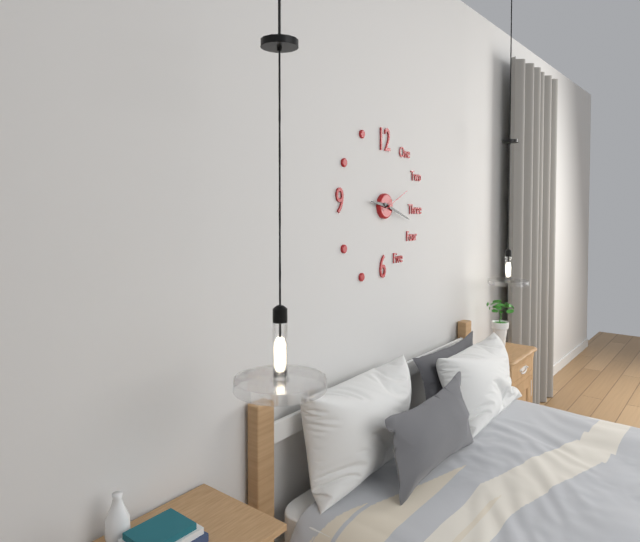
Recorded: {"hour": 9, "minute": 18}
